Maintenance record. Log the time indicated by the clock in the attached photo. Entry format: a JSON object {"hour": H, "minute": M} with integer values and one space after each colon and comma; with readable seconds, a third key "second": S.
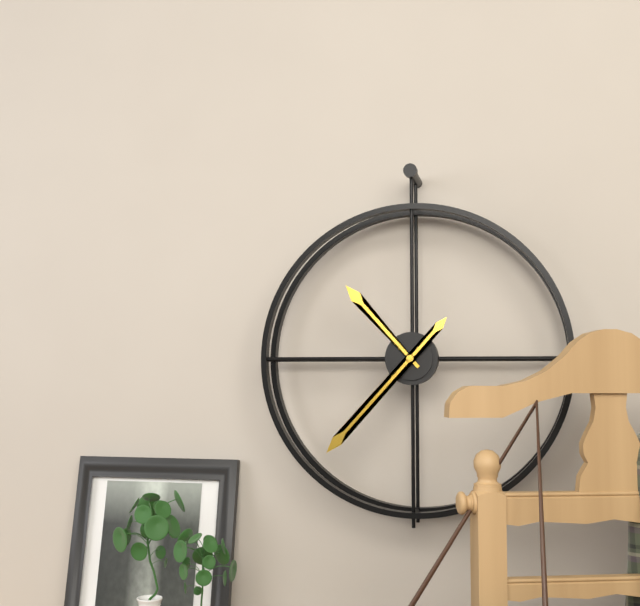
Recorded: {"hour": 10, "minute": 37}
